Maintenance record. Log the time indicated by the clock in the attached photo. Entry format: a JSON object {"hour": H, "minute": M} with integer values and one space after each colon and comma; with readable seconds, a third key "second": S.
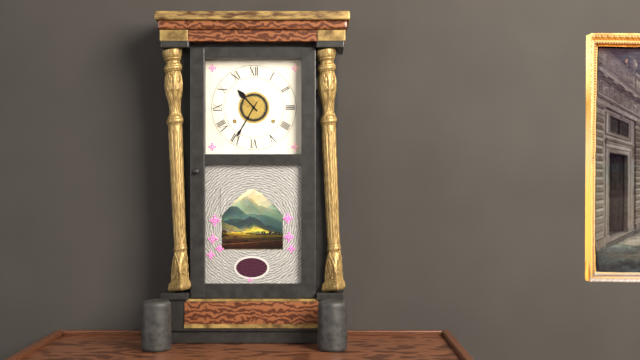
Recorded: {"hour": 10, "minute": 35}
